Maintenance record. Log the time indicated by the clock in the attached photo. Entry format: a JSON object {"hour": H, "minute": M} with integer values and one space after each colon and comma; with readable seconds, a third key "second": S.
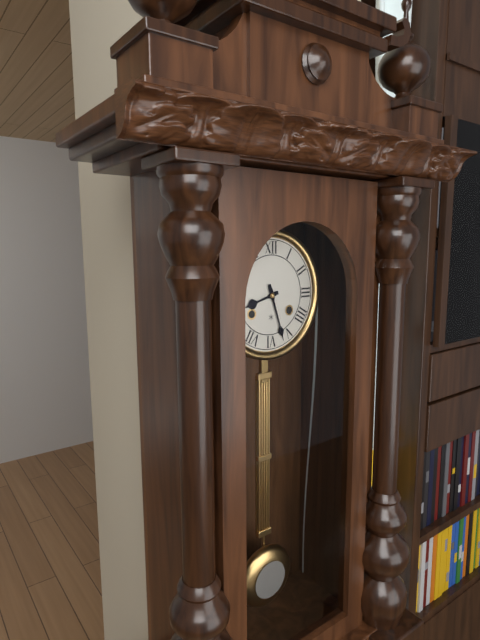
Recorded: {"hour": 8, "minute": 27}
